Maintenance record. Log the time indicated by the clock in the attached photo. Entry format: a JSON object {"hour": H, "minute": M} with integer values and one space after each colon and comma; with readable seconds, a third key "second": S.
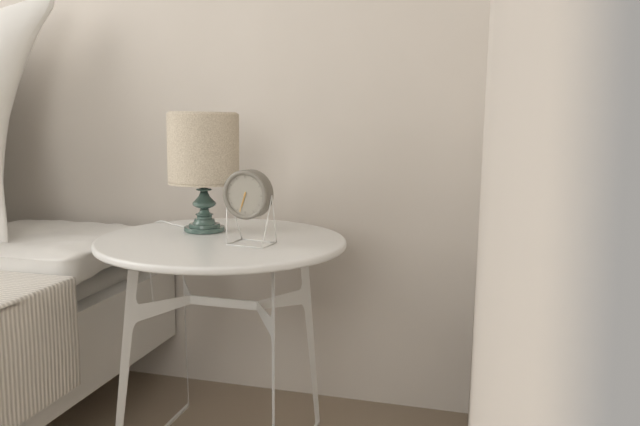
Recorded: {"hour": 6, "minute": 33}
